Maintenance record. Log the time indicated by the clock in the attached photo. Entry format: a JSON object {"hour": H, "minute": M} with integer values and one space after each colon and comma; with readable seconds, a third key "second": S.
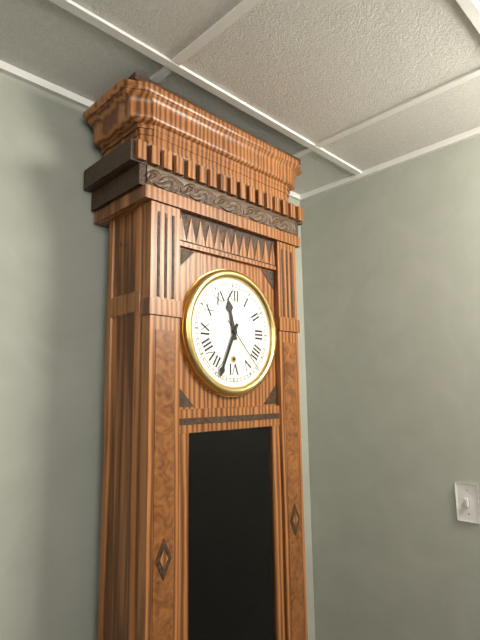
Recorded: {"hour": 11, "minute": 34, "second": 23}
